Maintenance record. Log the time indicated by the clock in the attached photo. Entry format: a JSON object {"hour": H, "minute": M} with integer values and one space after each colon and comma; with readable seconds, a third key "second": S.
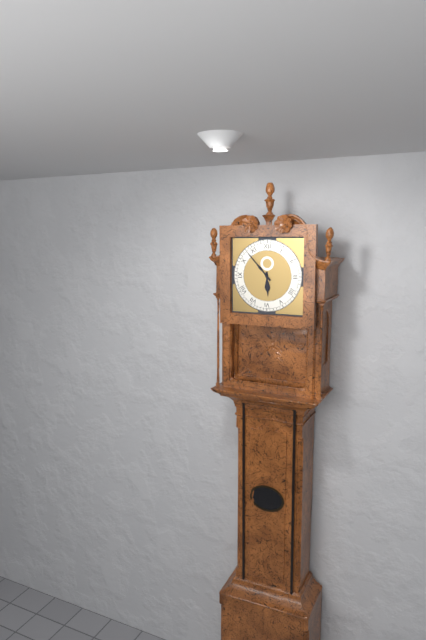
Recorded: {"hour": 5, "minute": 53}
